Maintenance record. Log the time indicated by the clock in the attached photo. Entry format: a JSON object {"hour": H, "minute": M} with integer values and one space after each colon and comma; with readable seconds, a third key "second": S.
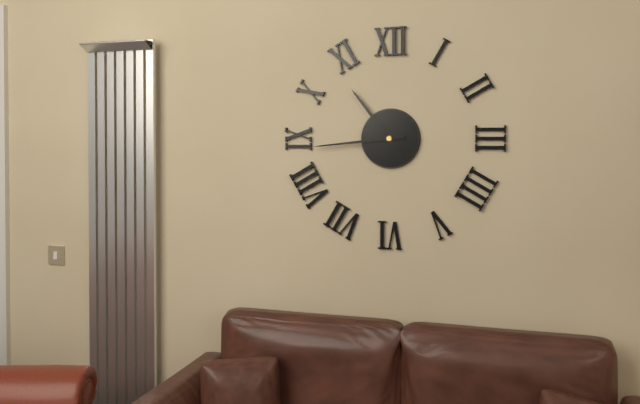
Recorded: {"hour": 10, "minute": 44}
